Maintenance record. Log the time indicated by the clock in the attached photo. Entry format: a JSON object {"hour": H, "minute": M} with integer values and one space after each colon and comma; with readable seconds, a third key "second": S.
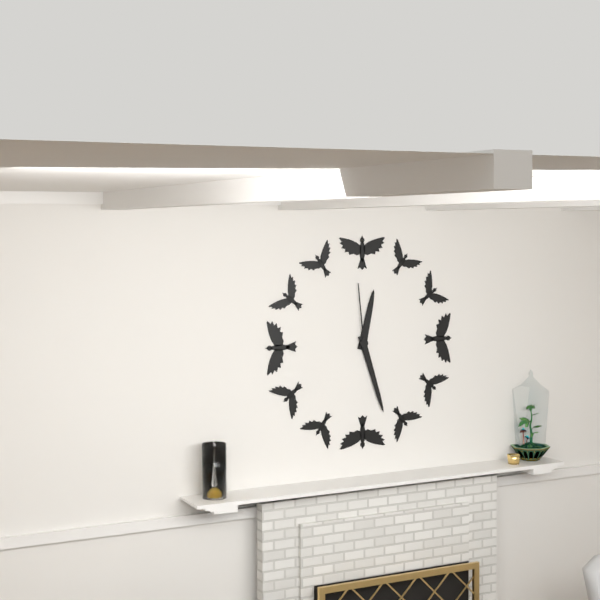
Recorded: {"hour": 12, "minute": 27, "second": 59}
